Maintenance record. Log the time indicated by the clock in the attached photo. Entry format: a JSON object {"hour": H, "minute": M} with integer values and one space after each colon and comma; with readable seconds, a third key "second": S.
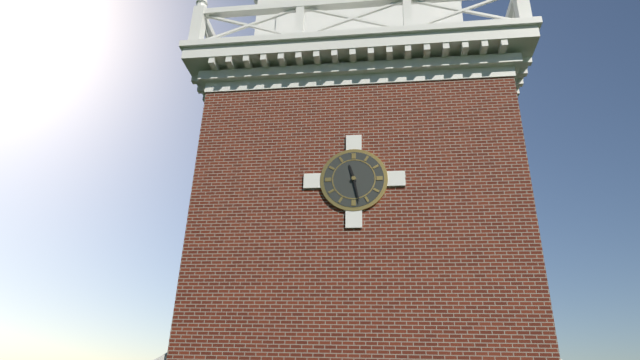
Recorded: {"hour": 11, "minute": 28}
